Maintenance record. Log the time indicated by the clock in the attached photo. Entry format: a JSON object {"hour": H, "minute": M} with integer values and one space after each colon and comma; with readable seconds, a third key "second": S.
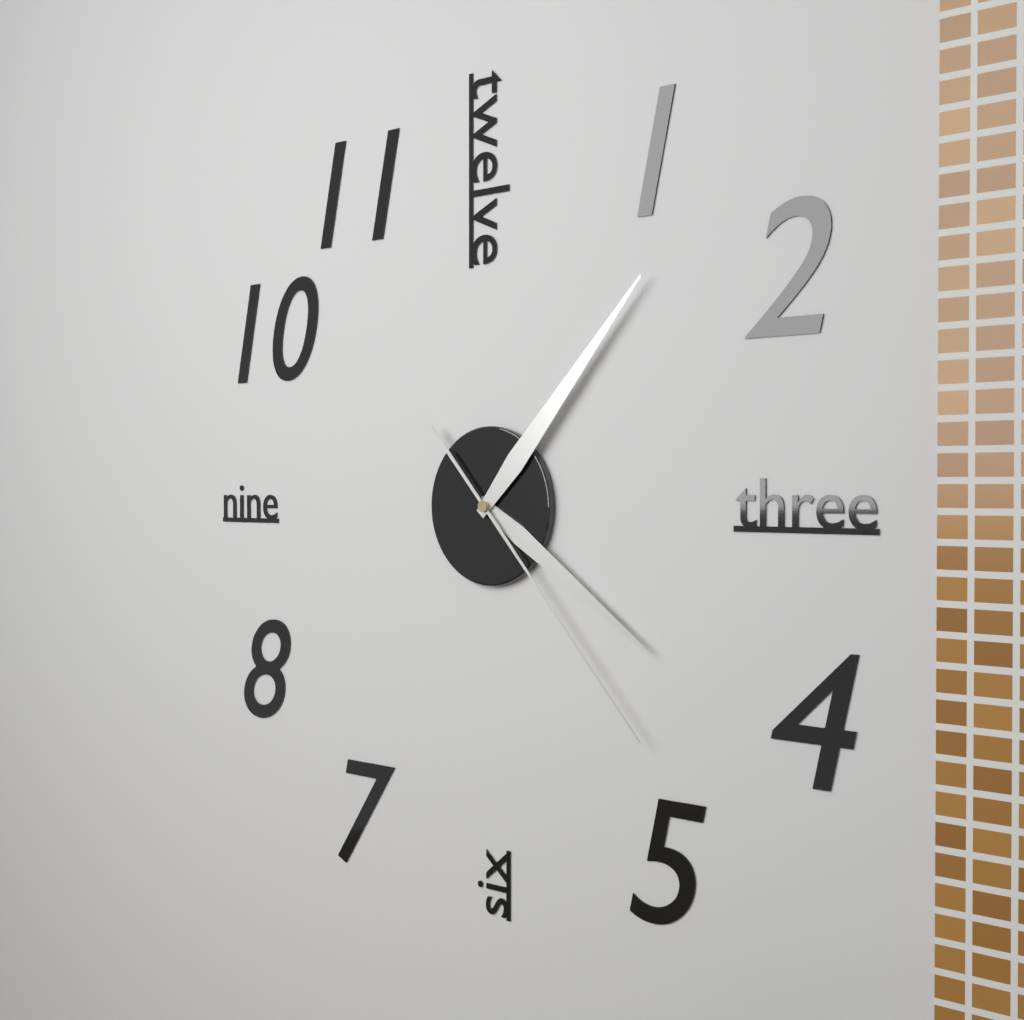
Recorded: {"hour": 4, "minute": 7, "second": 23}
